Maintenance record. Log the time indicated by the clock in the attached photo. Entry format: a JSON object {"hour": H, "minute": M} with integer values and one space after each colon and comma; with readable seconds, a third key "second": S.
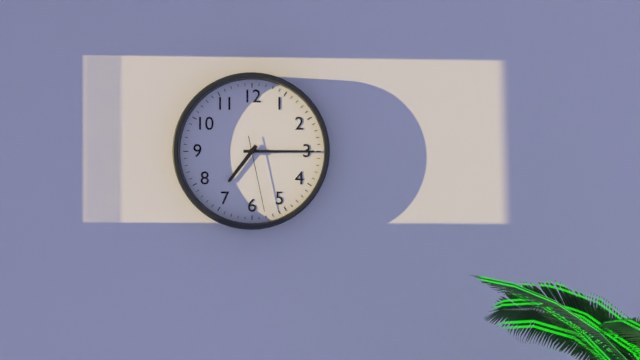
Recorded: {"hour": 7, "minute": 15, "second": 28}
